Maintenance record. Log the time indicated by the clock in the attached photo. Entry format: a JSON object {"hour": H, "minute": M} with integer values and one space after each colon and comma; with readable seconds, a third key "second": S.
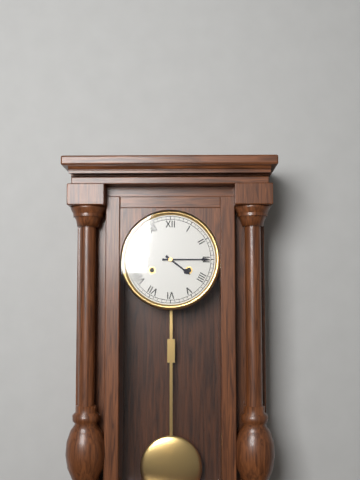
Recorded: {"hour": 4, "minute": 15}
